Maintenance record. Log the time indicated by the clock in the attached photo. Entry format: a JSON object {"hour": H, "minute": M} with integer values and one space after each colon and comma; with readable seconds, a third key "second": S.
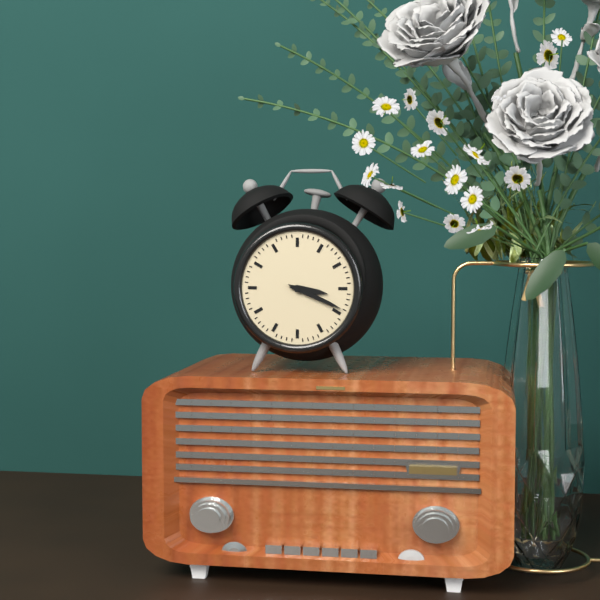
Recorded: {"hour": 3, "minute": 19}
